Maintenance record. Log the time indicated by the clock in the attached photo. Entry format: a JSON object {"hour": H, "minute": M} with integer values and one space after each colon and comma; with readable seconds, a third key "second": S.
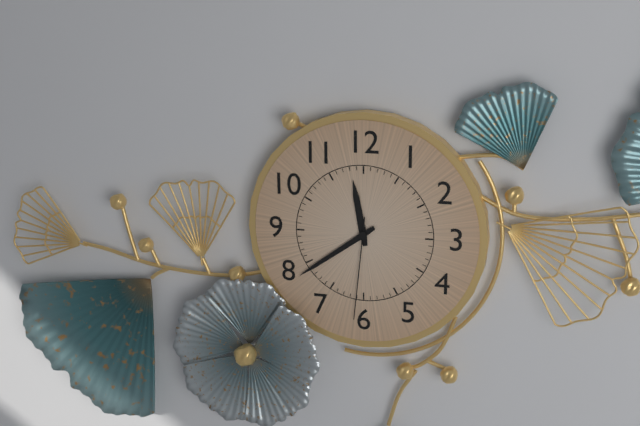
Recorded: {"hour": 11, "minute": 39, "second": 31}
